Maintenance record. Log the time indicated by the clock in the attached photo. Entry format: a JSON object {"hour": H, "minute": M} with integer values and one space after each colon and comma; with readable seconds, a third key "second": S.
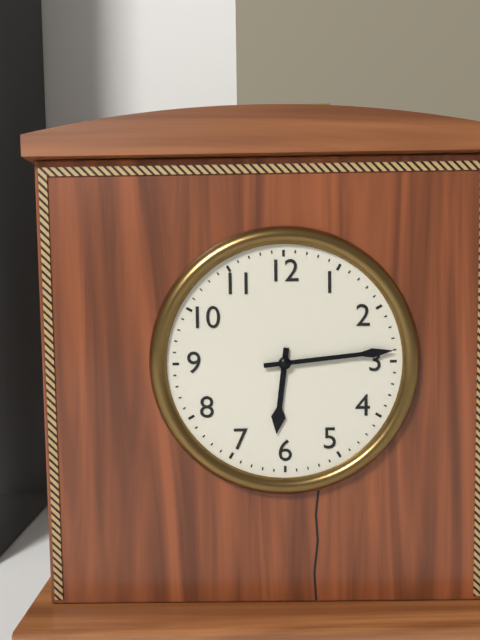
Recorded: {"hour": 6, "minute": 14}
